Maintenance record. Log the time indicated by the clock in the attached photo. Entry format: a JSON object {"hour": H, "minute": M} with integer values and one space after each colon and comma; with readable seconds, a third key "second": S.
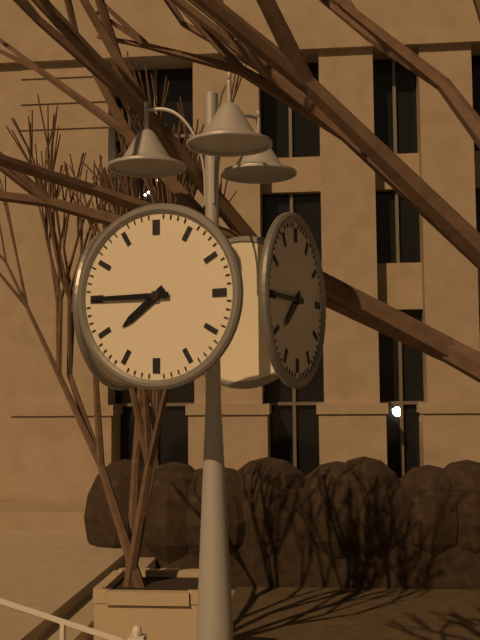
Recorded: {"hour": 7, "minute": 45}
